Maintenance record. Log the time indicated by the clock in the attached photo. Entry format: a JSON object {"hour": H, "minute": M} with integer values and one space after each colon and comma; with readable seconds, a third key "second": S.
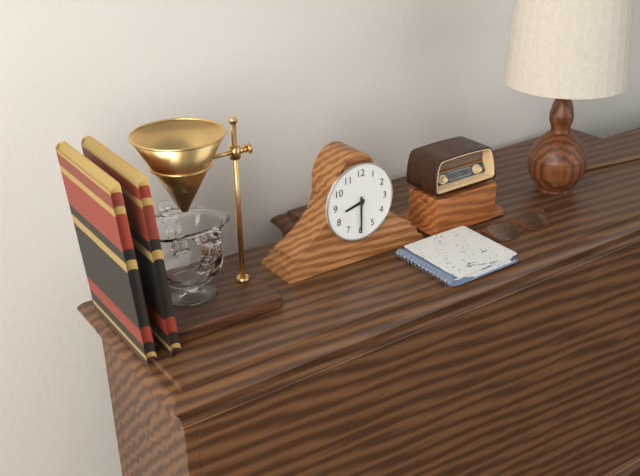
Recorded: {"hour": 8, "minute": 30}
